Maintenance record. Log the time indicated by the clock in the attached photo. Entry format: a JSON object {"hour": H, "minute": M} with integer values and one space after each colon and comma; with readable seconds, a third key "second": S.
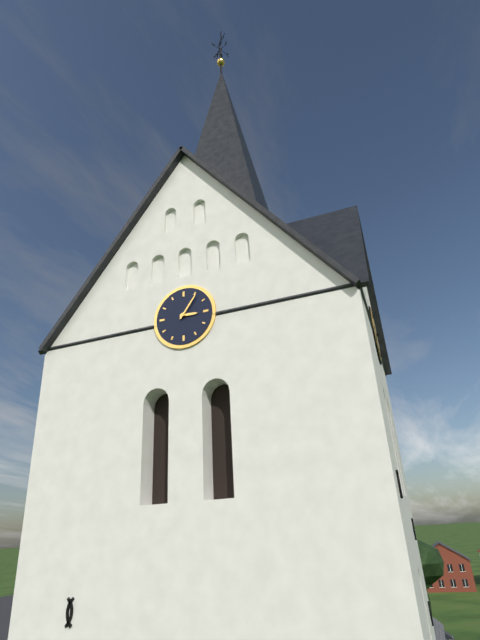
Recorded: {"hour": 3, "minute": 6}
